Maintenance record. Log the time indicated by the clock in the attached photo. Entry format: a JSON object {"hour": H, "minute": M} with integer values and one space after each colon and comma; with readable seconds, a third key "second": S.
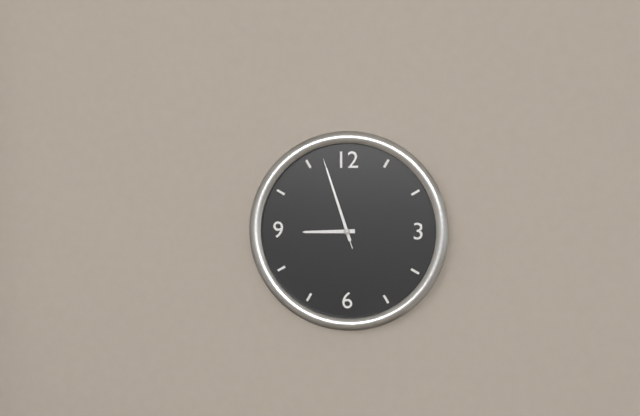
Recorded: {"hour": 8, "minute": 57, "second": 57}
